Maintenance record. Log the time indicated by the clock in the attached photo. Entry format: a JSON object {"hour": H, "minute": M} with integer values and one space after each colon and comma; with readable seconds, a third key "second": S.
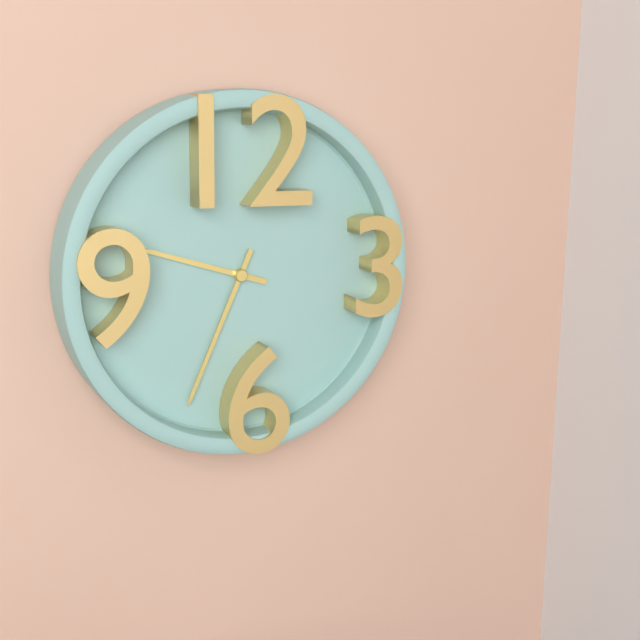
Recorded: {"hour": 9, "minute": 34}
